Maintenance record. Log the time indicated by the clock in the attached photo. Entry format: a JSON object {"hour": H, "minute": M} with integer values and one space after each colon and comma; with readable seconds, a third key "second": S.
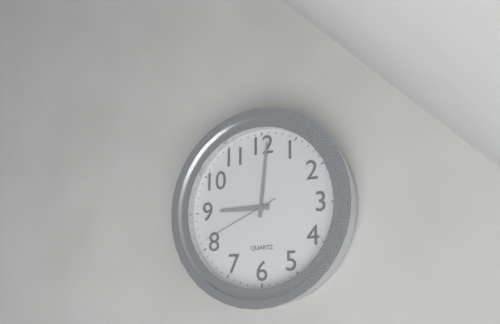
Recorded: {"hour": 9, "minute": 1, "second": 41}
